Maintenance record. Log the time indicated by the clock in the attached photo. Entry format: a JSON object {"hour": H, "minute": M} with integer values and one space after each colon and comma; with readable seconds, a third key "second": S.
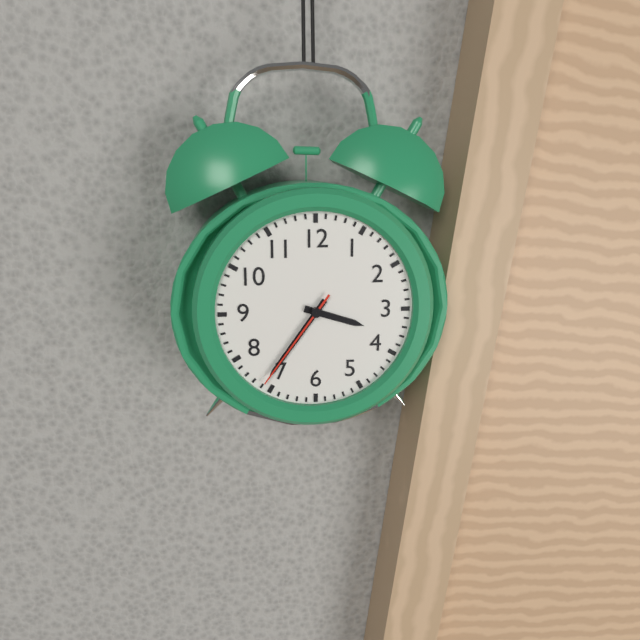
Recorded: {"hour": 3, "minute": 36, "second": 36}
